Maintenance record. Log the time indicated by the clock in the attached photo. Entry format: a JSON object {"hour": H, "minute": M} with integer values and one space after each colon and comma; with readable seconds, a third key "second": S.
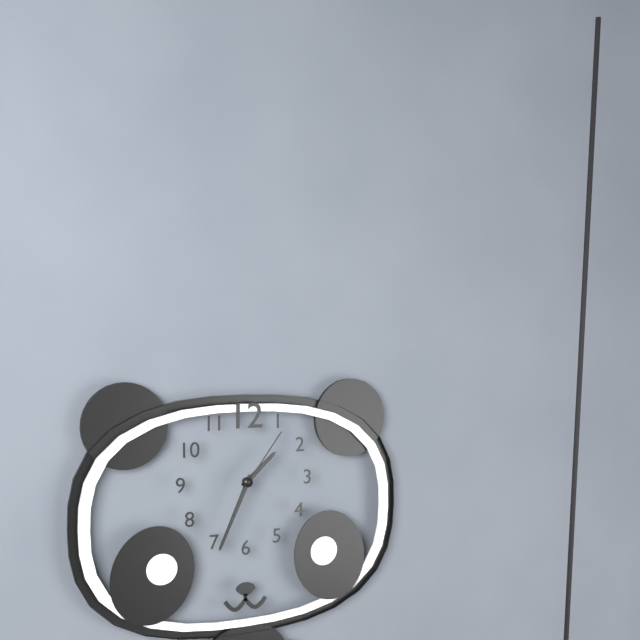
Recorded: {"hour": 1, "minute": 34, "second": 6}
